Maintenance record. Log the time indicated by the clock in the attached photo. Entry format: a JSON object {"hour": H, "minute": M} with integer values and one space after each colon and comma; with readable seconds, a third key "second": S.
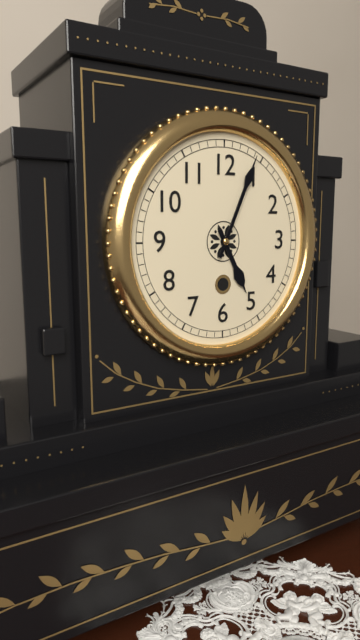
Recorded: {"hour": 5, "minute": 4}
